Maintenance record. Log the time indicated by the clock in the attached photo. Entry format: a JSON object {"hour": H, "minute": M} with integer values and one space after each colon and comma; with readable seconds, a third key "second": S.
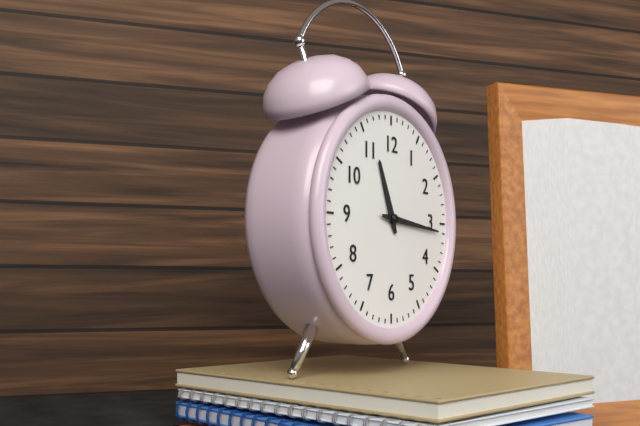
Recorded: {"hour": 11, "minute": 16}
